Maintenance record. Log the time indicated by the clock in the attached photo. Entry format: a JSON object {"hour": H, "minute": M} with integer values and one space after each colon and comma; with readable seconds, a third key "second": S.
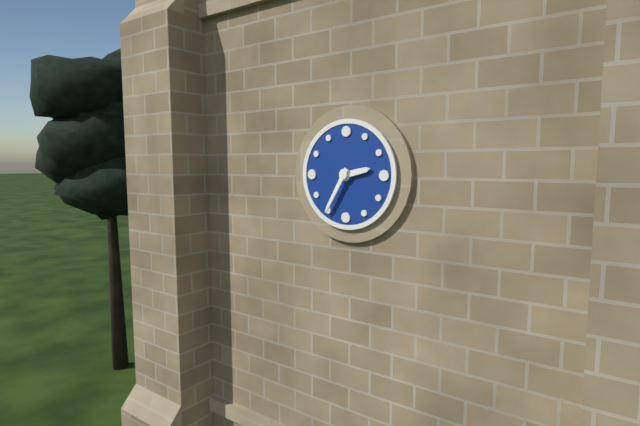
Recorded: {"hour": 2, "minute": 35}
